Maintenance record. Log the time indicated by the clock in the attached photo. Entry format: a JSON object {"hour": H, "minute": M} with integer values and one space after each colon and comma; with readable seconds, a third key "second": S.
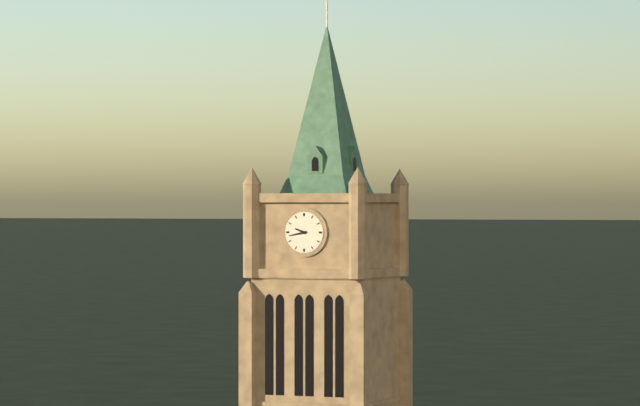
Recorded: {"hour": 9, "minute": 43}
